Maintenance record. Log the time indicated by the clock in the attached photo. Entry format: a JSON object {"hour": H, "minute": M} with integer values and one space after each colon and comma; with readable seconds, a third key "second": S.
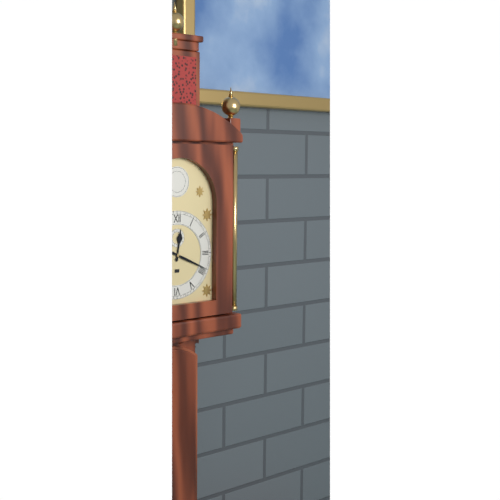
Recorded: {"hour": 12, "minute": 19}
